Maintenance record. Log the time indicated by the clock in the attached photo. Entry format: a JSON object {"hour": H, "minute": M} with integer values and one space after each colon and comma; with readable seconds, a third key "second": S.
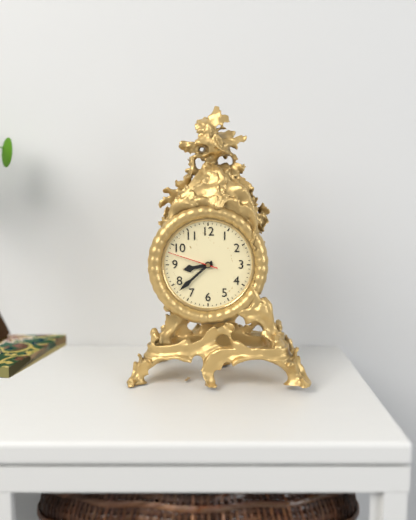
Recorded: {"hour": 8, "minute": 38, "second": 48}
